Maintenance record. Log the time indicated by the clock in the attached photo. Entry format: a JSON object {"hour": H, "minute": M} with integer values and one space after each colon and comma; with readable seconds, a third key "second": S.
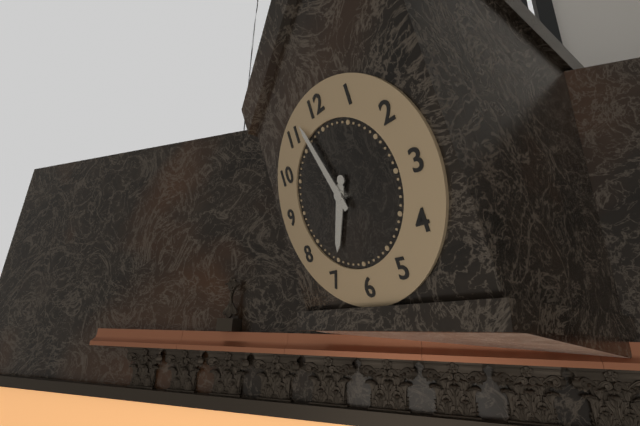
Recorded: {"hour": 6, "minute": 57}
